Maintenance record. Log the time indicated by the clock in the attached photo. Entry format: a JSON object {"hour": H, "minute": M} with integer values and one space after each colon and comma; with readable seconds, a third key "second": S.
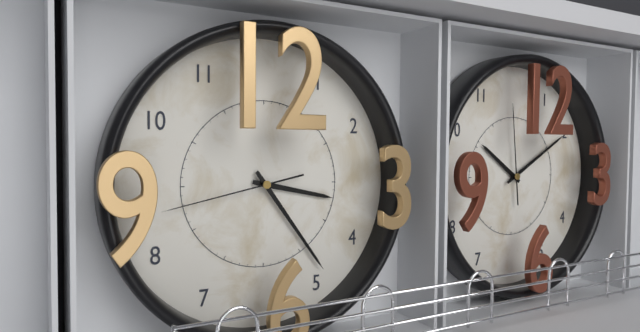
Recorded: {"hour": 3, "minute": 24, "second": 43}
